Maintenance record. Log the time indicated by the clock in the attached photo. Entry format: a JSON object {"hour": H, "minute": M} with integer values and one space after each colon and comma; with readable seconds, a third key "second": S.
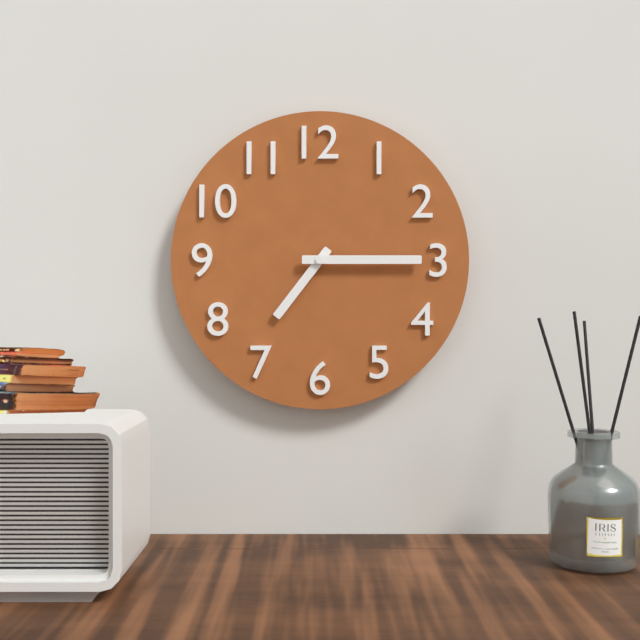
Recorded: {"hour": 7, "minute": 15}
